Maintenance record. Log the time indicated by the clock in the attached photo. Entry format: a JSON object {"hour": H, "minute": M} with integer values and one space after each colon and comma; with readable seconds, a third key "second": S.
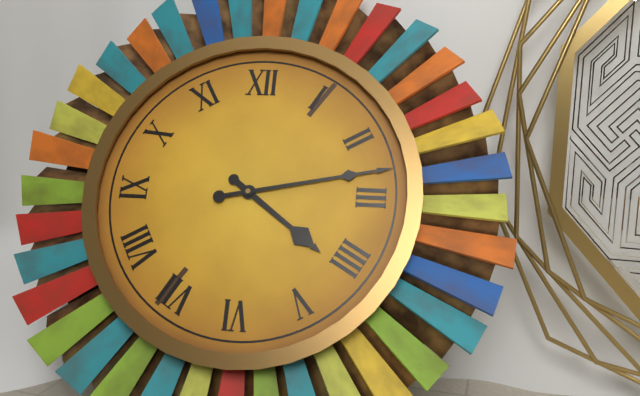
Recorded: {"hour": 4, "minute": 13}
